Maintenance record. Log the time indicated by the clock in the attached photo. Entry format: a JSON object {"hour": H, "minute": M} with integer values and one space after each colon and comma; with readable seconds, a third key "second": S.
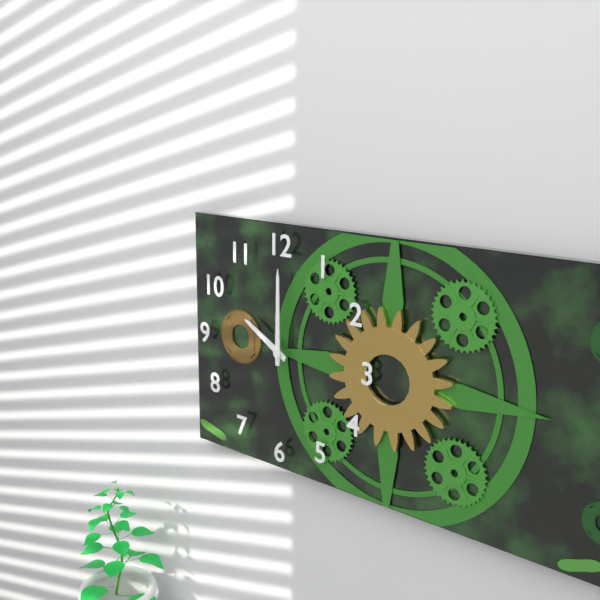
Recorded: {"hour": 10, "minute": 0}
